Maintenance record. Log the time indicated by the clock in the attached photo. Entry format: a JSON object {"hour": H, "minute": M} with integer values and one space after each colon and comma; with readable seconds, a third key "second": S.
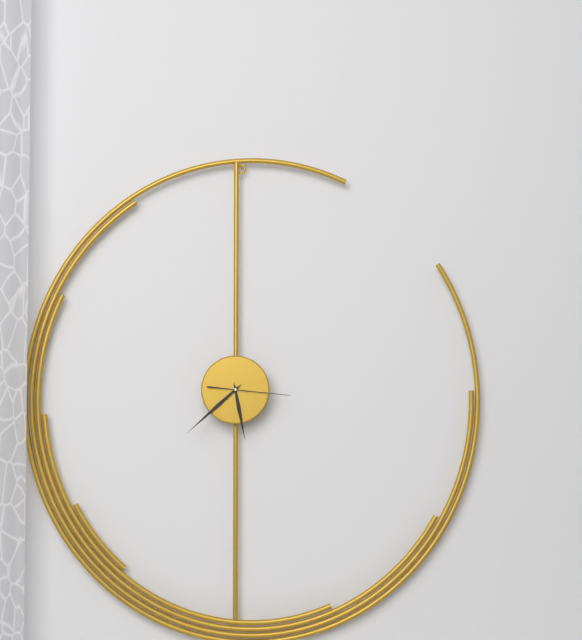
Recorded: {"hour": 5, "minute": 38, "second": 16}
